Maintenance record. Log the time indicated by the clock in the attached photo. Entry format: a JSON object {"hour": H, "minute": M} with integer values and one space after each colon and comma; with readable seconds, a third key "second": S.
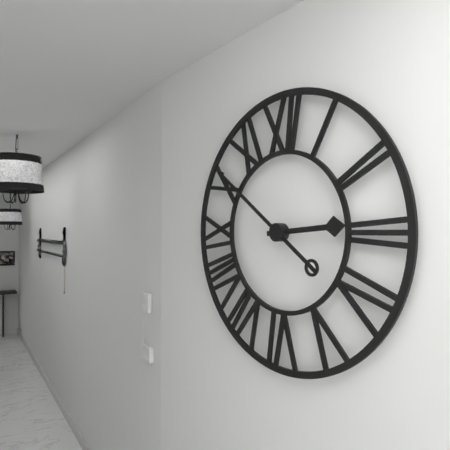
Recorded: {"hour": 2, "minute": 51}
